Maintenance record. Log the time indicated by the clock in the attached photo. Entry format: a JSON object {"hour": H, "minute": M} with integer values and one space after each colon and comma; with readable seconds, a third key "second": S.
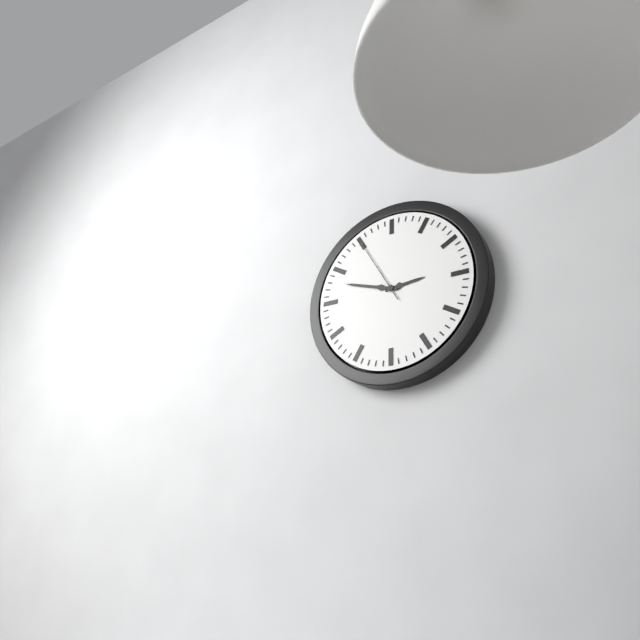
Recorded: {"hour": 2, "minute": 48, "second": 55}
